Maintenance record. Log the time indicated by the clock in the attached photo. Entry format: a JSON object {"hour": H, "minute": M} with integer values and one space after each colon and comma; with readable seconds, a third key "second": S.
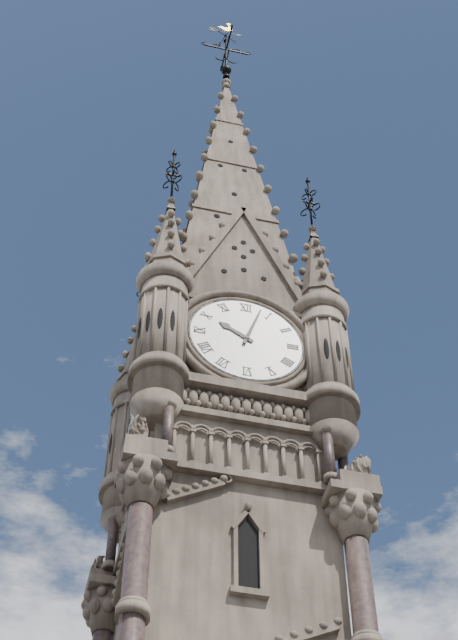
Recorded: {"hour": 10, "minute": 3}
